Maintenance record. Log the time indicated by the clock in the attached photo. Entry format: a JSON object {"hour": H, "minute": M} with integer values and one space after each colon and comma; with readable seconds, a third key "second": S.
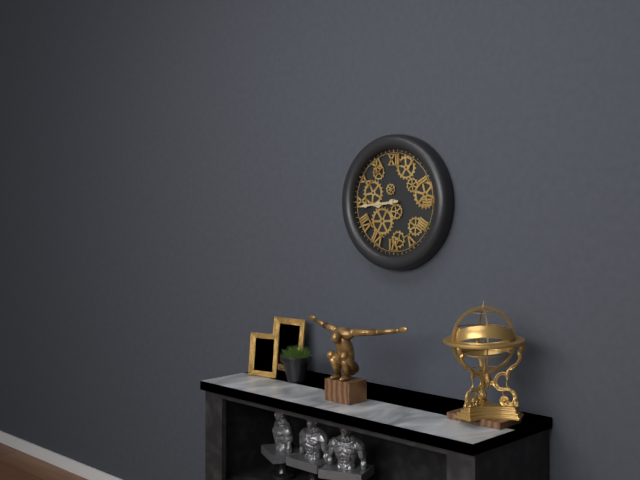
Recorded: {"hour": 8, "minute": 44}
